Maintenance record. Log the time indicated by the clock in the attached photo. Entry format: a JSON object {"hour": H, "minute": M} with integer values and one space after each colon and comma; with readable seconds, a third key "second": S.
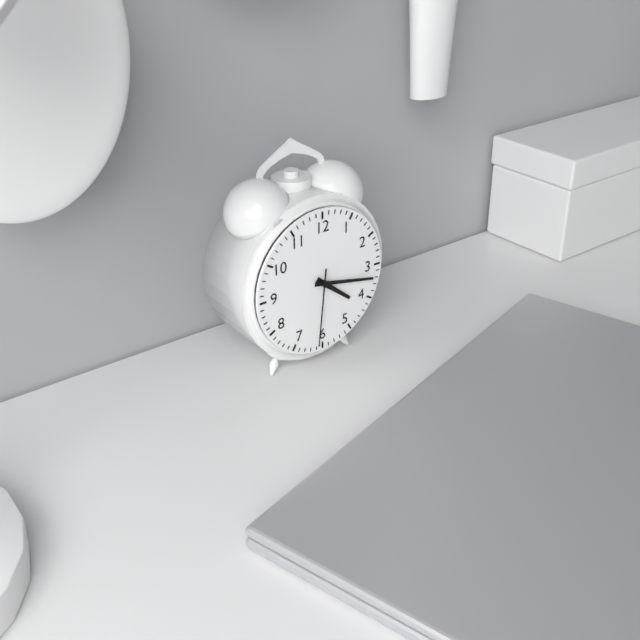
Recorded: {"hour": 4, "minute": 17, "second": 31}
